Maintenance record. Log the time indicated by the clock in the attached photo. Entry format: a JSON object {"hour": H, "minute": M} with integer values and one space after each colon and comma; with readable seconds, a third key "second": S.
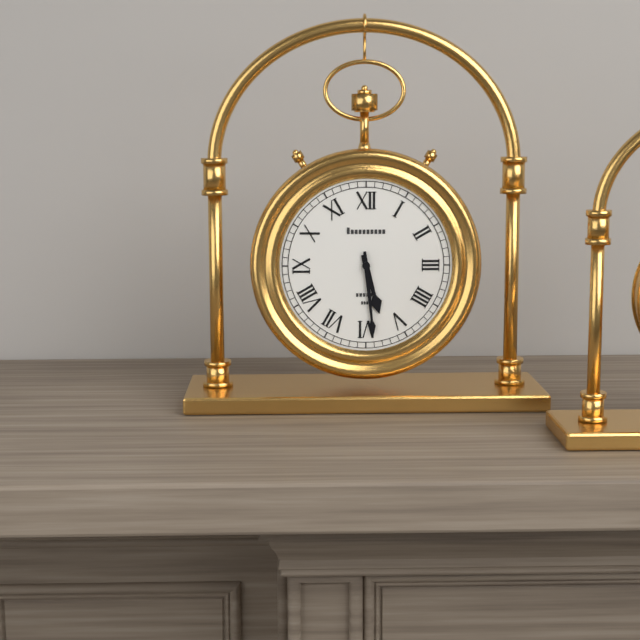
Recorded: {"hour": 5, "minute": 29}
